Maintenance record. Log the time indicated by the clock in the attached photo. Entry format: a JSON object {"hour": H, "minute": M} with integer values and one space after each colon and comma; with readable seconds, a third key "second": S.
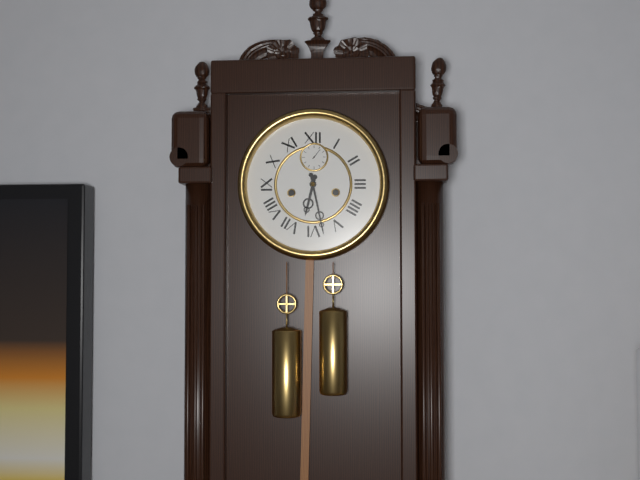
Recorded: {"hour": 6, "minute": 28}
